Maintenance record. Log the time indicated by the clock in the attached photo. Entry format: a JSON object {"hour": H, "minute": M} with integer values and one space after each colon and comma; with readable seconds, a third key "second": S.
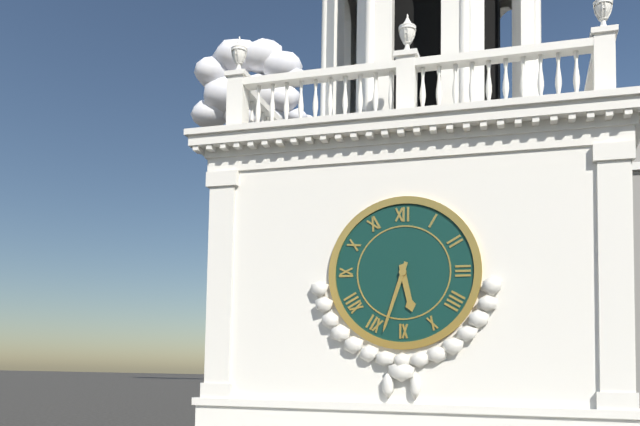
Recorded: {"hour": 5, "minute": 33}
